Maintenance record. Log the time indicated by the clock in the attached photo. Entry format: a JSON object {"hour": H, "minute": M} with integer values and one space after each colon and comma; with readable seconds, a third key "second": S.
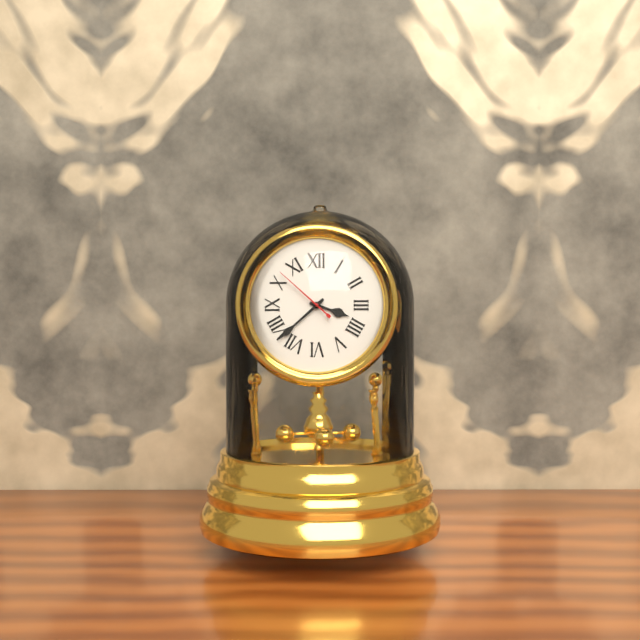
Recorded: {"hour": 3, "minute": 38, "second": 52}
